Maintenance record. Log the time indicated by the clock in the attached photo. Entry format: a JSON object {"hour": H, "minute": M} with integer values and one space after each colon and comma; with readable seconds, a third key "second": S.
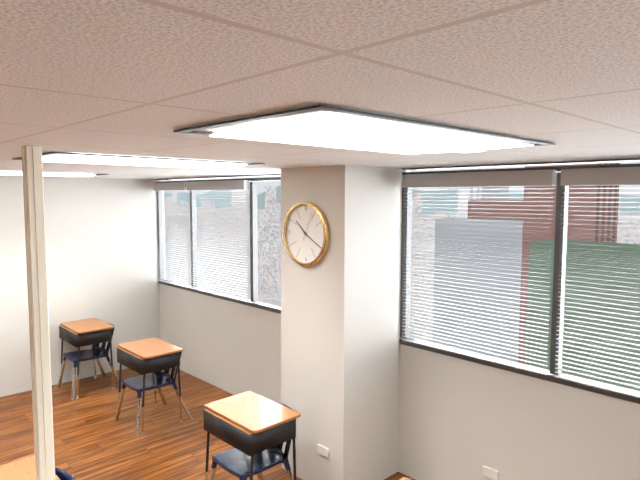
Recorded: {"hour": 10, "minute": 20}
